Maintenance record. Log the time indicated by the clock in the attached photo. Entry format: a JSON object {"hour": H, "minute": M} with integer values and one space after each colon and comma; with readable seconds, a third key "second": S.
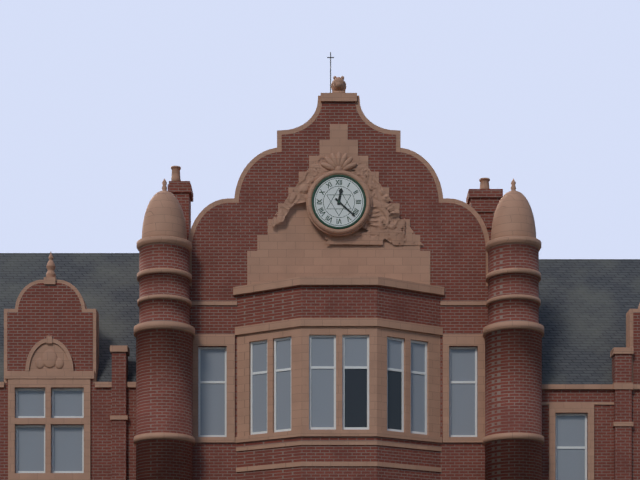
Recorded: {"hour": 12, "minute": 22}
